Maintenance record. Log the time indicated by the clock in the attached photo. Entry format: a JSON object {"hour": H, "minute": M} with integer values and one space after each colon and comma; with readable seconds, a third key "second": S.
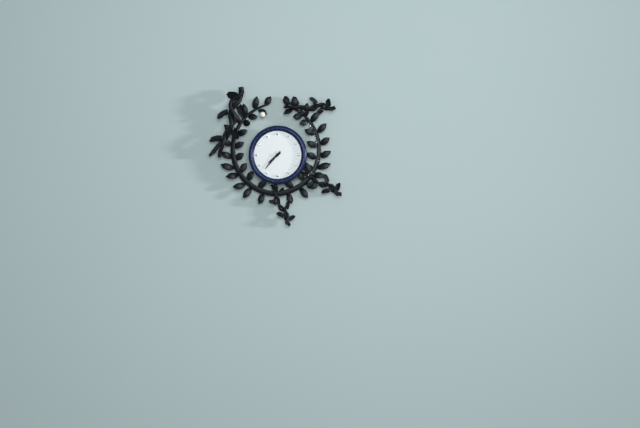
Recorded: {"hour": 7, "minute": 37}
